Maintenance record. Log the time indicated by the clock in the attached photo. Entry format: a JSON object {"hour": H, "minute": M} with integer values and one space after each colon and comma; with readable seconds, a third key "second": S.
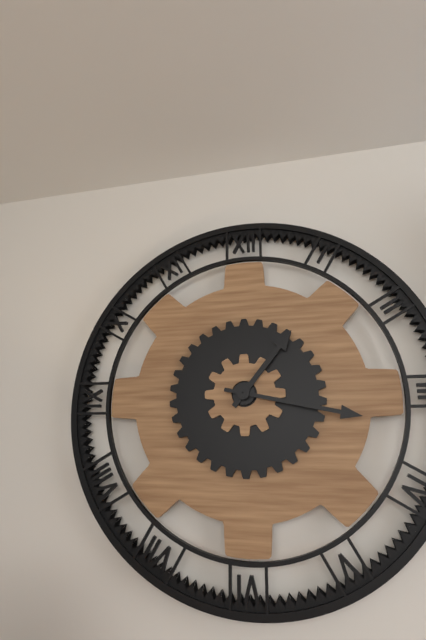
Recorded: {"hour": 1, "minute": 17}
